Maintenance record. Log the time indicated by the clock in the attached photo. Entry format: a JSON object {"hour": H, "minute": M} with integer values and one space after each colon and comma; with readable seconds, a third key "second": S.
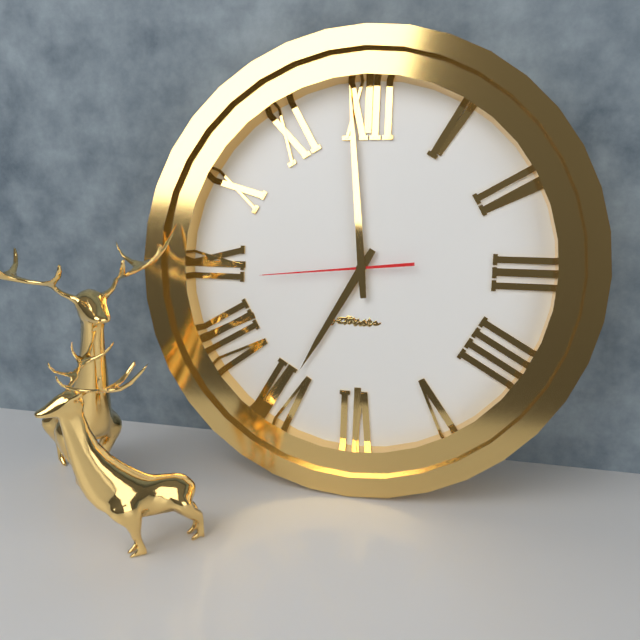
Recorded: {"hour": 6, "minute": 59, "second": 44}
